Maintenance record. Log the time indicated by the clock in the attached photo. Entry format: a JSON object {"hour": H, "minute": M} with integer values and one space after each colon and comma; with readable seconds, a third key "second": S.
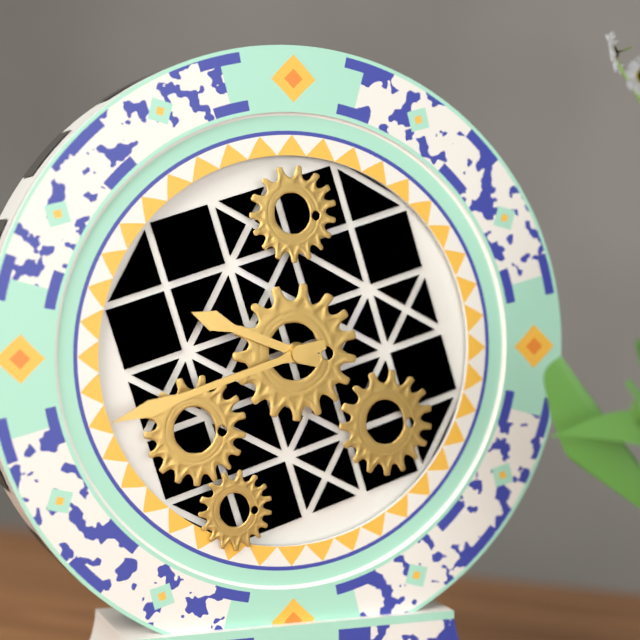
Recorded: {"hour": 9, "minute": 42}
